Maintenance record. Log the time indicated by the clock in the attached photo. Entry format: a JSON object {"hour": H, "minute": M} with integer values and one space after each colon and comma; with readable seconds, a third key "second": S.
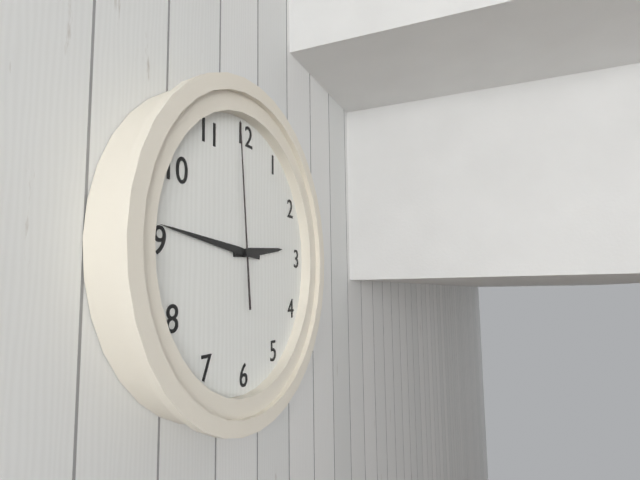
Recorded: {"hour": 2, "minute": 46, "second": 59}
